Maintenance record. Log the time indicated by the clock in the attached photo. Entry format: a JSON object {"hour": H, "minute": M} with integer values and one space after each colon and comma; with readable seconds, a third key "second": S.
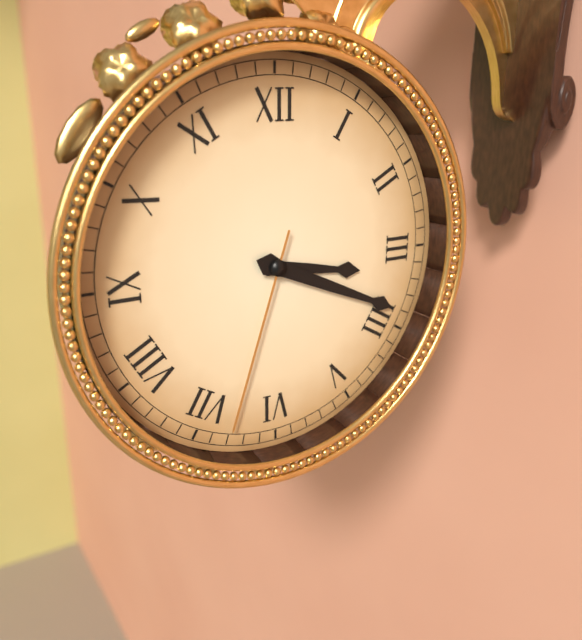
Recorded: {"hour": 3, "minute": 19, "second": 33}
